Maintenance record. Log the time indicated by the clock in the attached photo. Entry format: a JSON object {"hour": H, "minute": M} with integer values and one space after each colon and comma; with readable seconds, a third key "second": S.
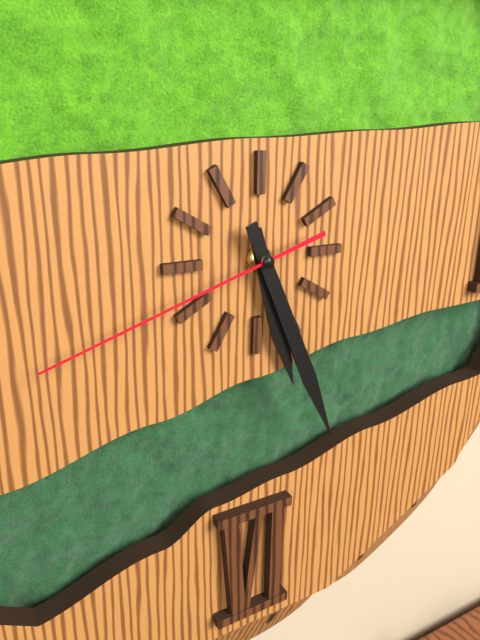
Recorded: {"hour": 5, "minute": 26, "second": 42}
